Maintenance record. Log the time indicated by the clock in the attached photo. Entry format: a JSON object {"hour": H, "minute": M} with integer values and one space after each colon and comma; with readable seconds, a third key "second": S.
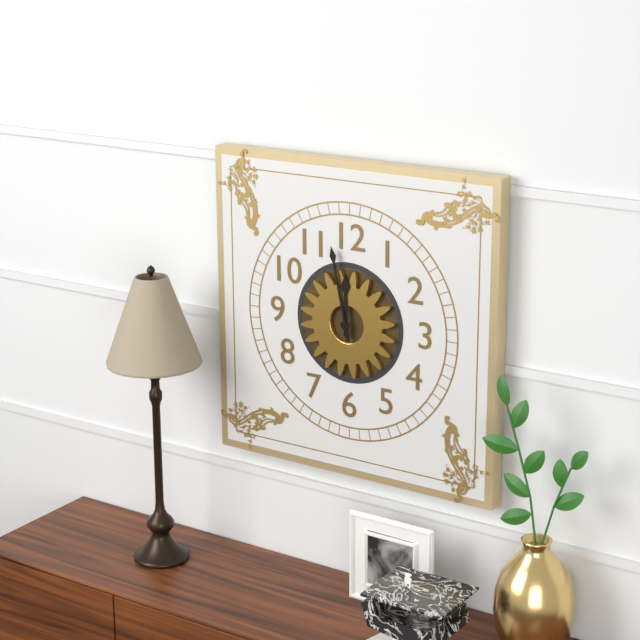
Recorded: {"hour": 11, "minute": 58}
